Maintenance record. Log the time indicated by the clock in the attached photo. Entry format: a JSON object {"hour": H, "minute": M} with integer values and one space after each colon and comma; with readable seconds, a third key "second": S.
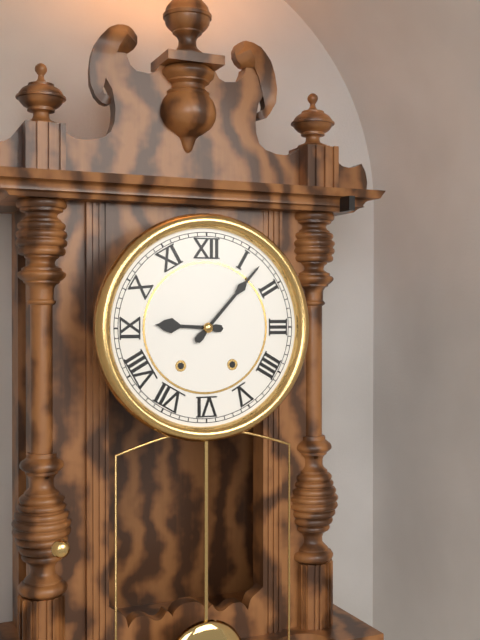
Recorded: {"hour": 9, "minute": 7}
